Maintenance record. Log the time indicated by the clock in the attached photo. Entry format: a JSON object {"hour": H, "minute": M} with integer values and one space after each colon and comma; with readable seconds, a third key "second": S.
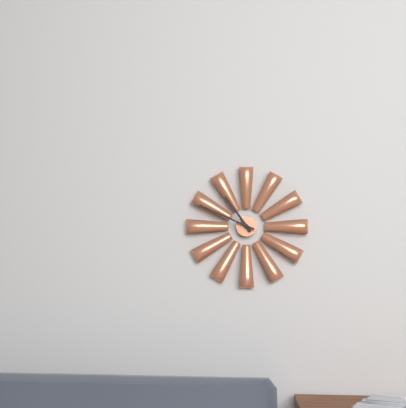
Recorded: {"hour": 10, "minute": 49}
